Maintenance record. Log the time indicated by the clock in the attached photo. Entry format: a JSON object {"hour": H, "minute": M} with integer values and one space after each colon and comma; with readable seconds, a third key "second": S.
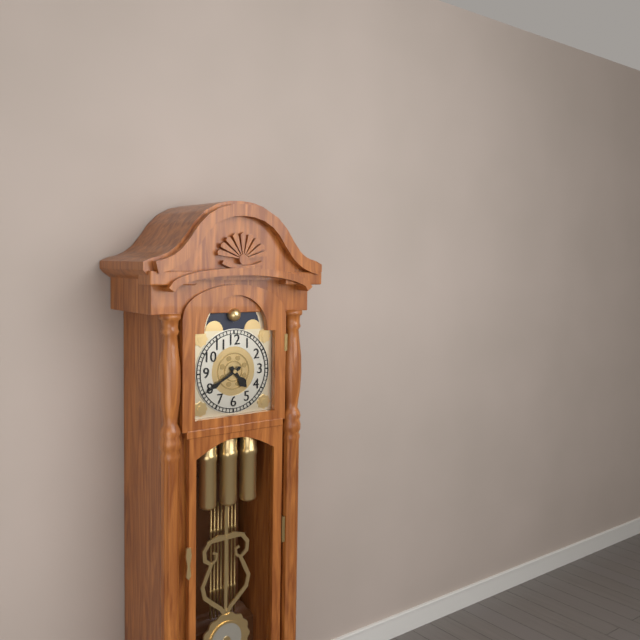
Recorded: {"hour": 4, "minute": 40}
